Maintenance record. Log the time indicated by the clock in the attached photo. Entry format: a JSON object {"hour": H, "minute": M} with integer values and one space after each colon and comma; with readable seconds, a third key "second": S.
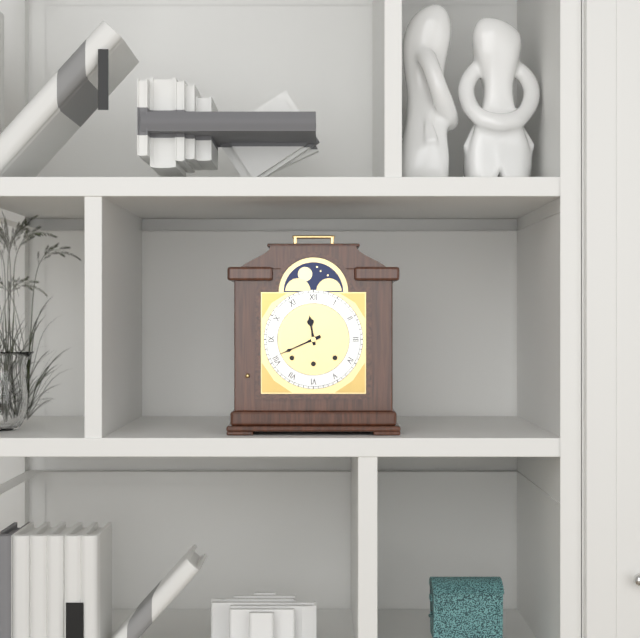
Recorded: {"hour": 11, "minute": 41}
